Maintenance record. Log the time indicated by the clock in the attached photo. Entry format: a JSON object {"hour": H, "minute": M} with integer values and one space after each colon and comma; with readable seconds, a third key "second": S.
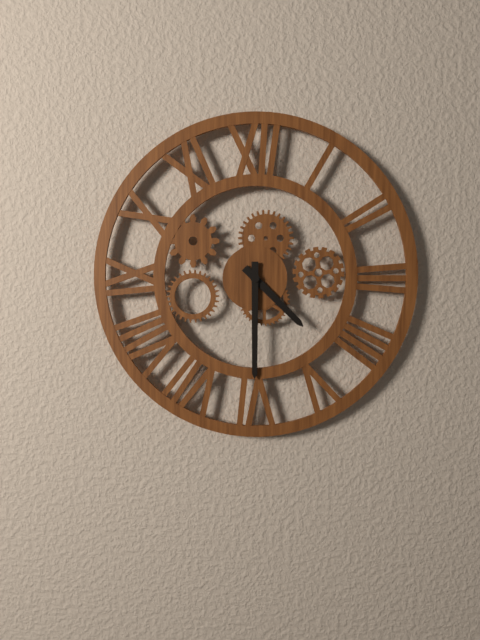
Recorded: {"hour": 4, "minute": 30}
